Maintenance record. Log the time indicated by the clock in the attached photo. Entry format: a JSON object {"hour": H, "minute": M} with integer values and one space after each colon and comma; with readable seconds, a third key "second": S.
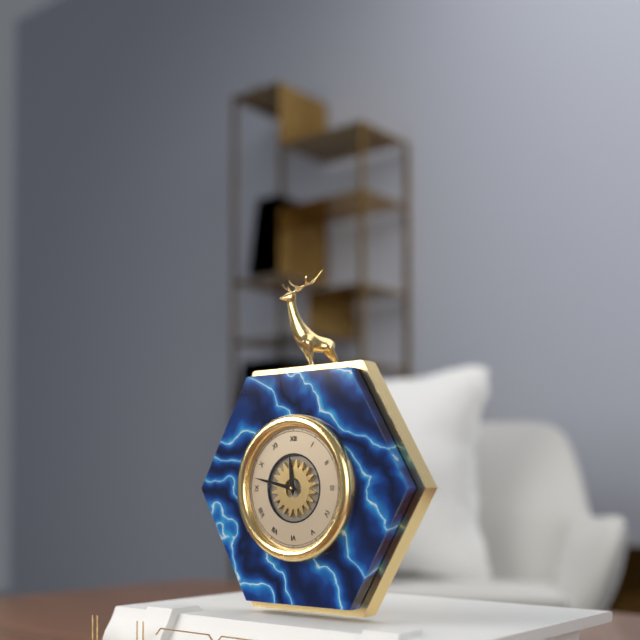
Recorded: {"hour": 11, "minute": 47}
